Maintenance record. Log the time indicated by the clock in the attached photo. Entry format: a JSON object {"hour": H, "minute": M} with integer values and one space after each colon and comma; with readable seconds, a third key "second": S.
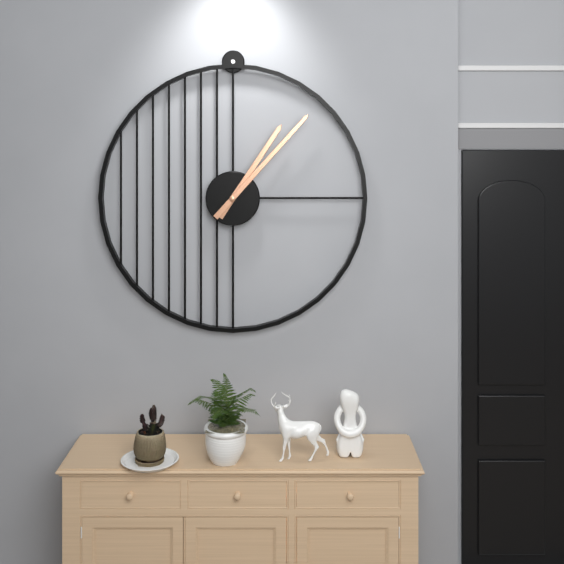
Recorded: {"hour": 1, "minute": 7}
